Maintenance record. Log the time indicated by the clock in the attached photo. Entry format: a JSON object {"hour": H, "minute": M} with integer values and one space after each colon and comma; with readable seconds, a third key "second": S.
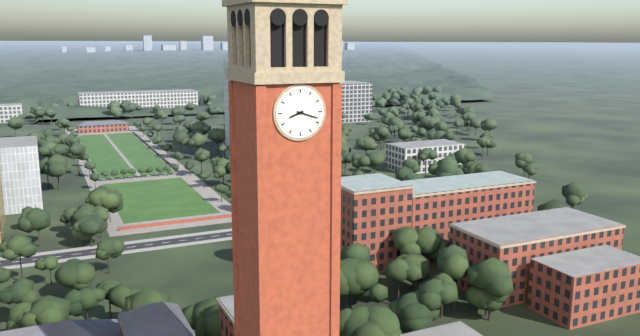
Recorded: {"hour": 8, "minute": 18}
